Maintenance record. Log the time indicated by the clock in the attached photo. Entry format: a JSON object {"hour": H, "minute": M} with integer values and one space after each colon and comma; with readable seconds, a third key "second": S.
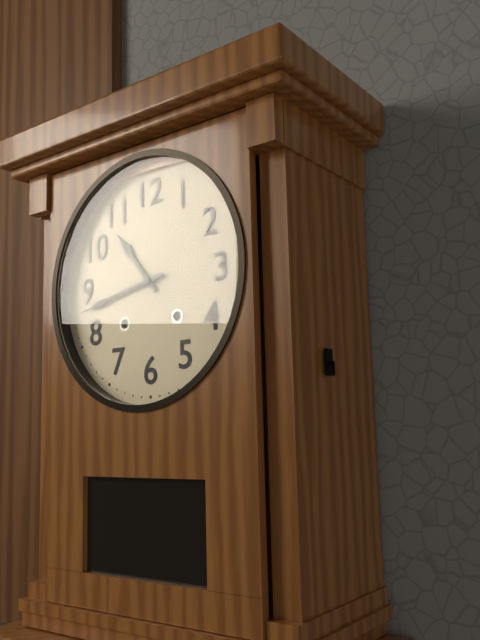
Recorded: {"hour": 10, "minute": 43}
